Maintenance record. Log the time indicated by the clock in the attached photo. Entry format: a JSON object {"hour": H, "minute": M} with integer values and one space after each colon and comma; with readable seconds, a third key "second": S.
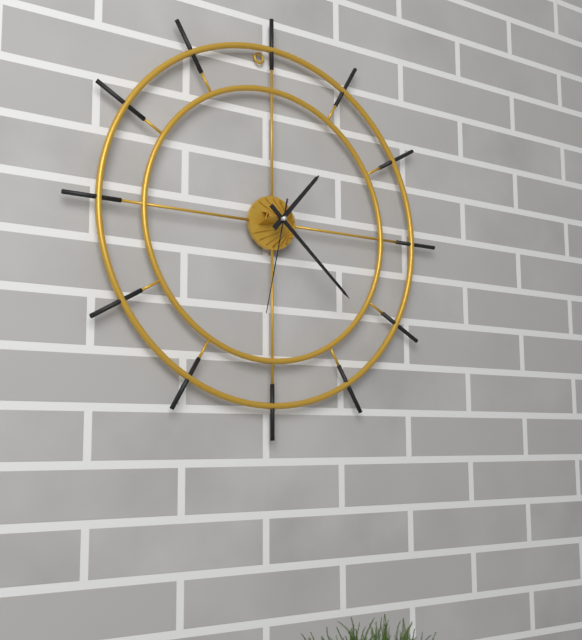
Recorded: {"hour": 1, "minute": 22, "second": 32}
